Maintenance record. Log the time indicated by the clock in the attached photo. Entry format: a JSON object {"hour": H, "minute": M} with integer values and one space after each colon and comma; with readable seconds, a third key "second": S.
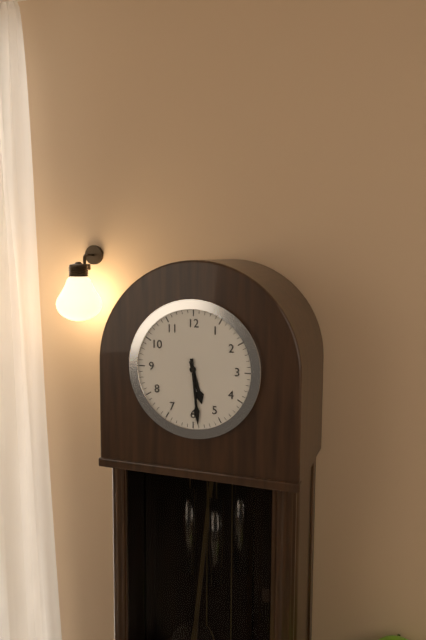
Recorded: {"hour": 5, "minute": 29}
